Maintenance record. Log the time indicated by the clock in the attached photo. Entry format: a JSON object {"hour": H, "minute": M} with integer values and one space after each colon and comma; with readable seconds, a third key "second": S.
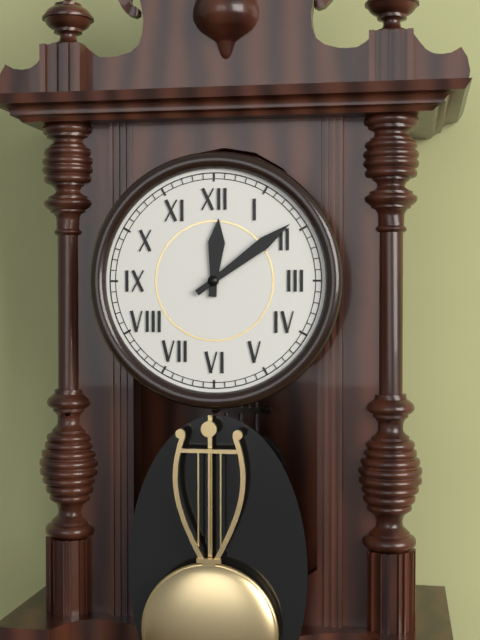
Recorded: {"hour": 12, "minute": 9}
